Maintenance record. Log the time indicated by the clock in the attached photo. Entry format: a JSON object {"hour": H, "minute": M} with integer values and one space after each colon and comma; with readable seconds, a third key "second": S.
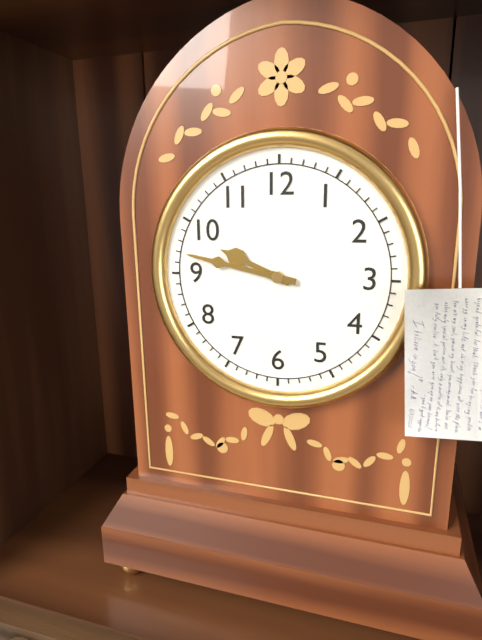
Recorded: {"hour": 9, "minute": 47}
